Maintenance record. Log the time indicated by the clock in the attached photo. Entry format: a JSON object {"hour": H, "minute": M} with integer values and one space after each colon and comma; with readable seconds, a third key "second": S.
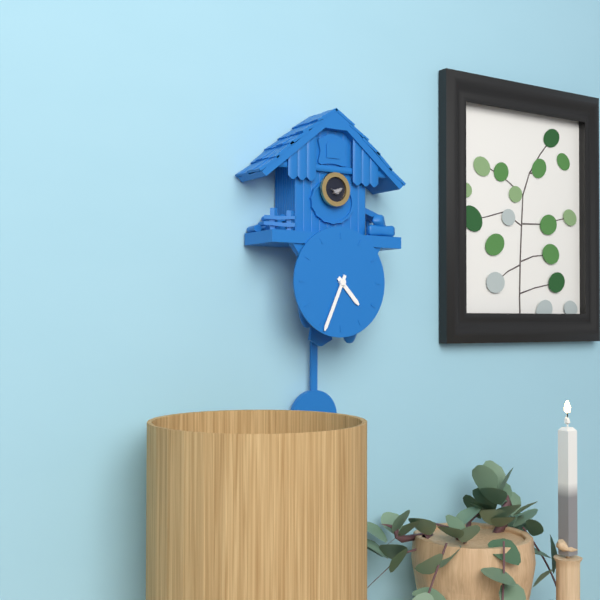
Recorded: {"hour": 4, "minute": 34}
